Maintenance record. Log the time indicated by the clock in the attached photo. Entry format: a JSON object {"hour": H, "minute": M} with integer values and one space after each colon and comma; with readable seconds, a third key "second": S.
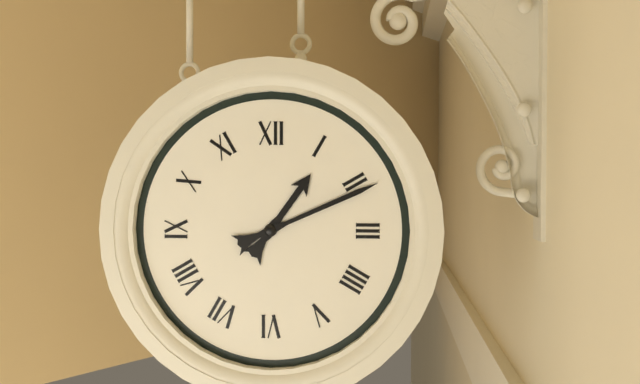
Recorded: {"hour": 1, "minute": 11}
